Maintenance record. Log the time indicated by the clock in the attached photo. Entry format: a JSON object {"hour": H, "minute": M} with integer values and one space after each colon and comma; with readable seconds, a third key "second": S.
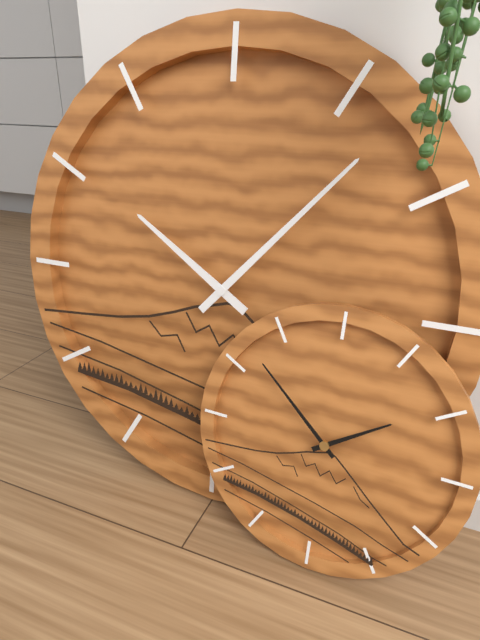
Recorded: {"hour": 10, "minute": 7}
